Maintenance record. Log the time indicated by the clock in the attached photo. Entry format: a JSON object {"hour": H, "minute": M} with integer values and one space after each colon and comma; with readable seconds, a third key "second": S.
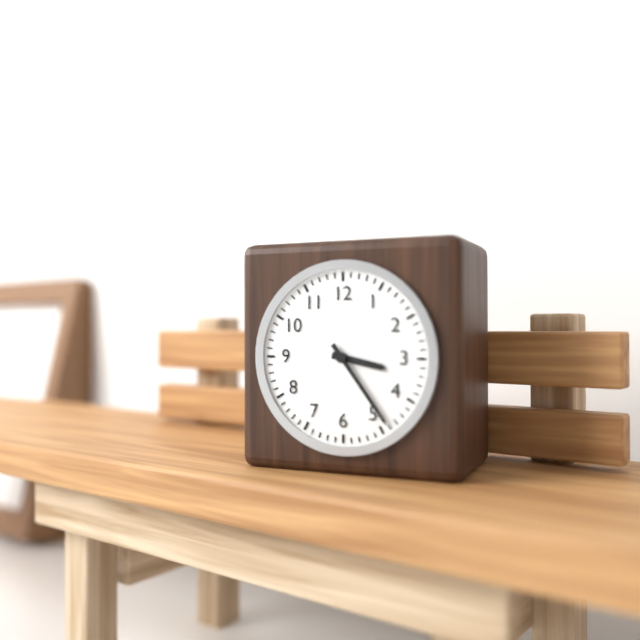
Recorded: {"hour": 3, "minute": 24}
